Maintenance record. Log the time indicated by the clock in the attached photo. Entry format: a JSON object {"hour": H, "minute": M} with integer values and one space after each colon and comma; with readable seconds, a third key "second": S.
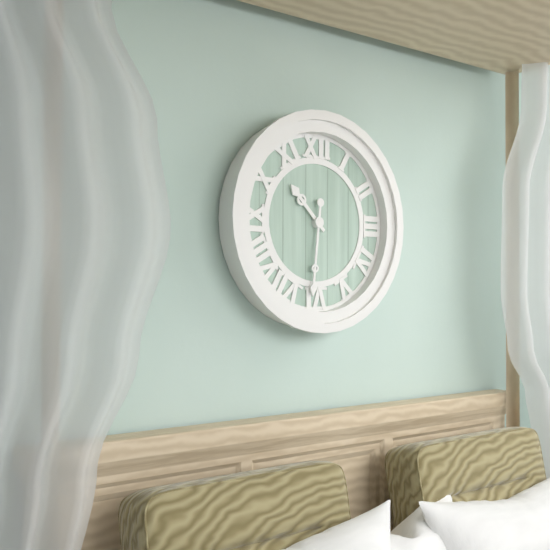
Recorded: {"hour": 10, "minute": 31}
